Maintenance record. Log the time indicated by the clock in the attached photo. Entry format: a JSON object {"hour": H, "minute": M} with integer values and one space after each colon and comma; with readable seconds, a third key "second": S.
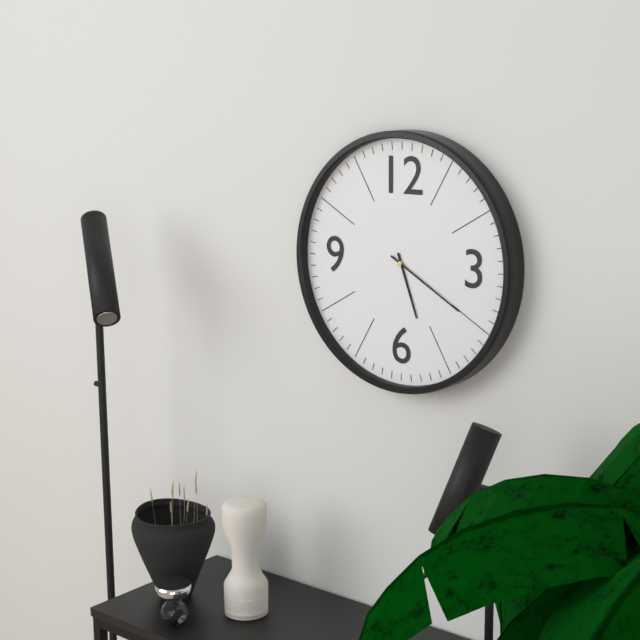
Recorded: {"hour": 5, "minute": 20}
